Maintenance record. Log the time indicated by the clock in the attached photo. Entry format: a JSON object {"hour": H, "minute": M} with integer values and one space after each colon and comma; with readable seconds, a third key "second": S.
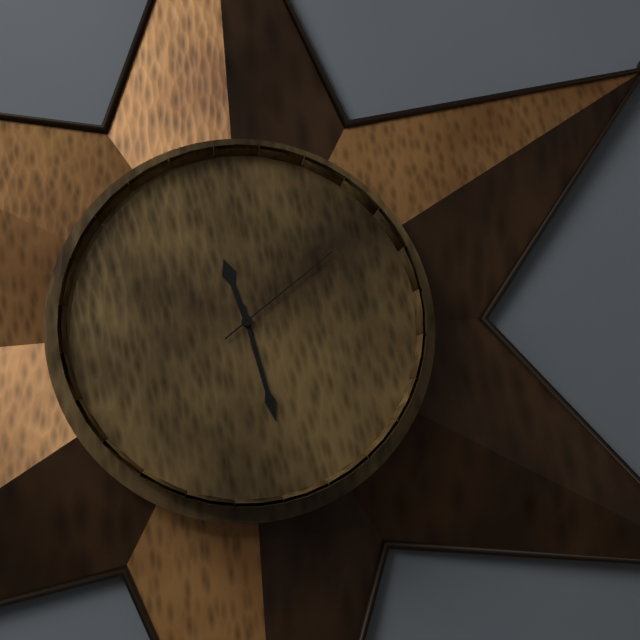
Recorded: {"hour": 11, "minute": 28, "second": 9}
